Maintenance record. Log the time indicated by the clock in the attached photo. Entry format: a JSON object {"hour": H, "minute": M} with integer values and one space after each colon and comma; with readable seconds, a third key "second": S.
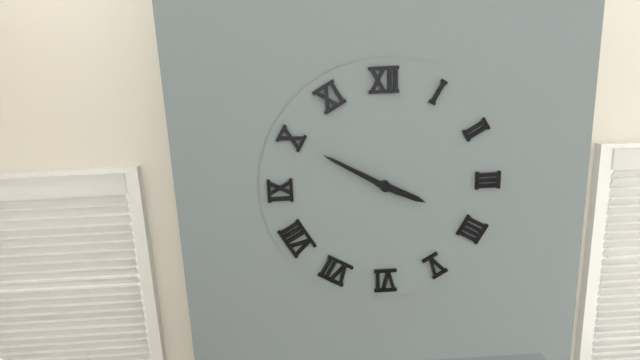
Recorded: {"hour": 3, "minute": 50}
